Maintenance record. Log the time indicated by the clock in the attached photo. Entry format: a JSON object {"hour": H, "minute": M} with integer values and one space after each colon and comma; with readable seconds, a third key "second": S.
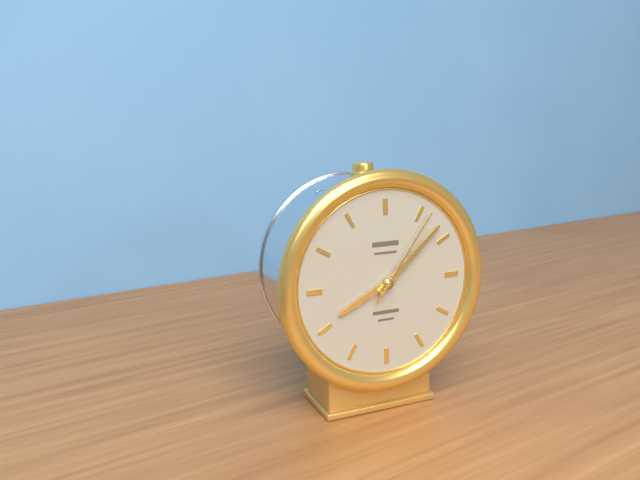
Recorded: {"hour": 8, "minute": 8, "second": 6}
